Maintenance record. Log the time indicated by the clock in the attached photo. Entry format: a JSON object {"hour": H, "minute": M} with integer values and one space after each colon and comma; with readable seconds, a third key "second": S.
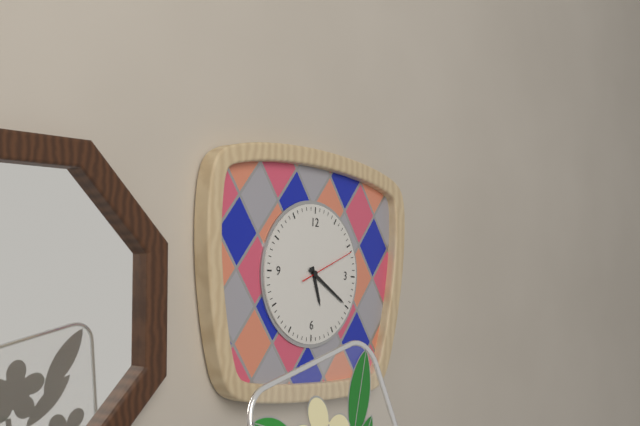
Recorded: {"hour": 5, "minute": 20, "second": 11}
